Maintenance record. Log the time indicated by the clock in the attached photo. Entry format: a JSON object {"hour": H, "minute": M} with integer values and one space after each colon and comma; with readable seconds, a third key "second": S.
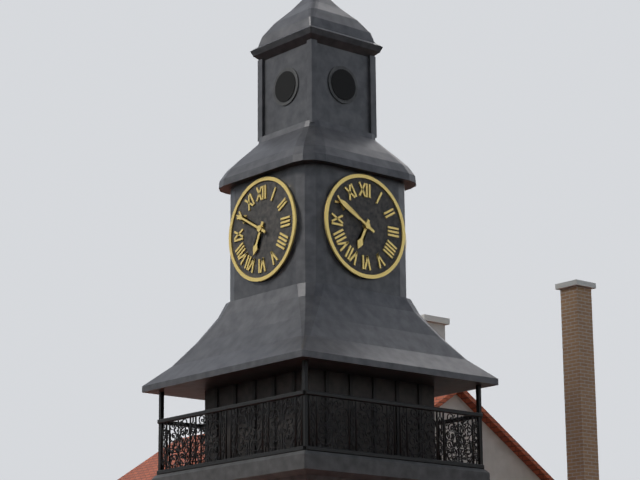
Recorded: {"hour": 6, "minute": 50}
